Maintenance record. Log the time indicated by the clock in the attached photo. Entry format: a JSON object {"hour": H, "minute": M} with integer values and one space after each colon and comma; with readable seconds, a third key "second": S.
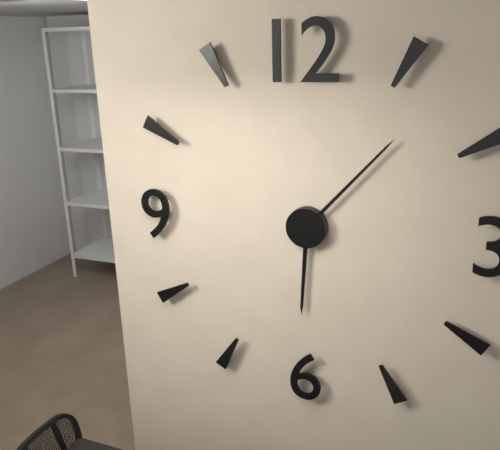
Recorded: {"hour": 6, "minute": 7}
